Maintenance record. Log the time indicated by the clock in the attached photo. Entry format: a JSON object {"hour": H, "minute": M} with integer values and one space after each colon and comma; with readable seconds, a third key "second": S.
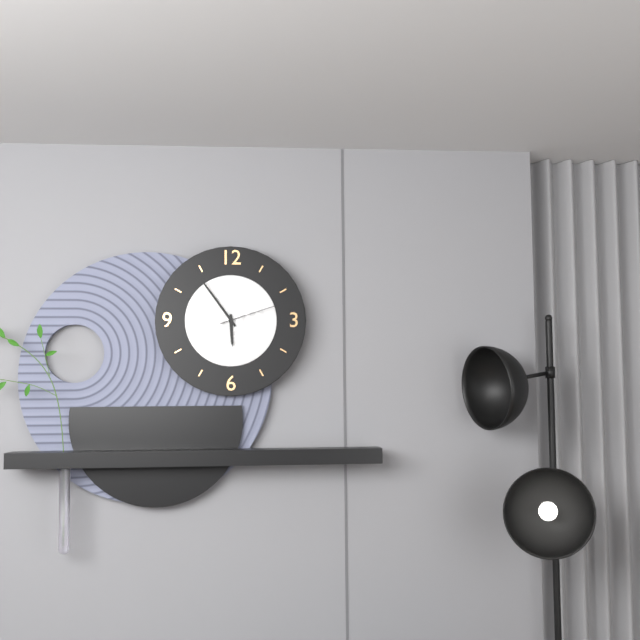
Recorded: {"hour": 5, "minute": 54, "second": 12}
